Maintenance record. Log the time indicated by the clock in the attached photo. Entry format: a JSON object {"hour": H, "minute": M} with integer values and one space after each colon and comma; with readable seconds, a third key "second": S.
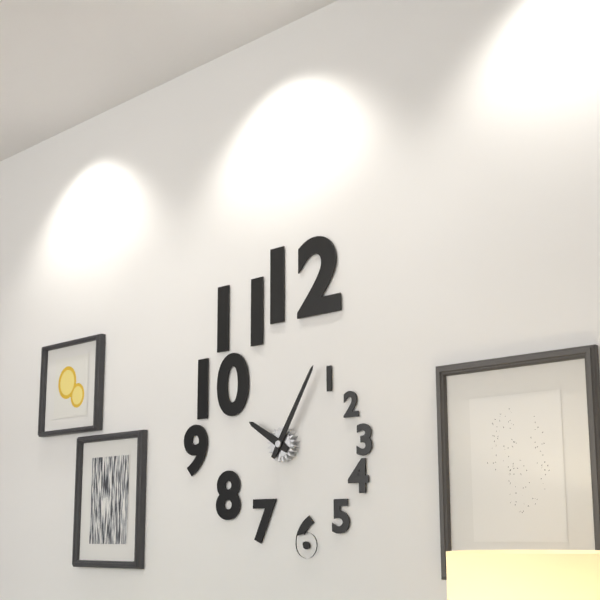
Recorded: {"hour": 10, "minute": 5}
